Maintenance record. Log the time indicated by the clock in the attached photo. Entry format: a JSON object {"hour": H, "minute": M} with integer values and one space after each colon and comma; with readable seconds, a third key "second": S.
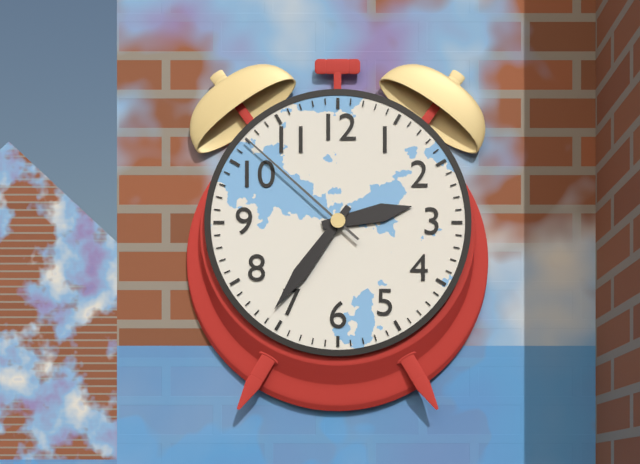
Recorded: {"hour": 2, "minute": 36, "second": 52}
